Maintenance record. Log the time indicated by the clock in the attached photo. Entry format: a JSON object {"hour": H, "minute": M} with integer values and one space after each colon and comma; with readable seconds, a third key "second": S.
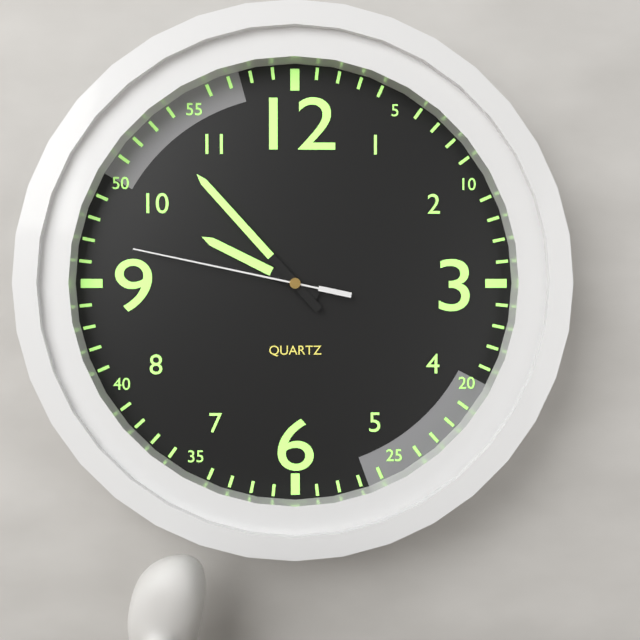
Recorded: {"hour": 9, "minute": 53, "second": 47}
